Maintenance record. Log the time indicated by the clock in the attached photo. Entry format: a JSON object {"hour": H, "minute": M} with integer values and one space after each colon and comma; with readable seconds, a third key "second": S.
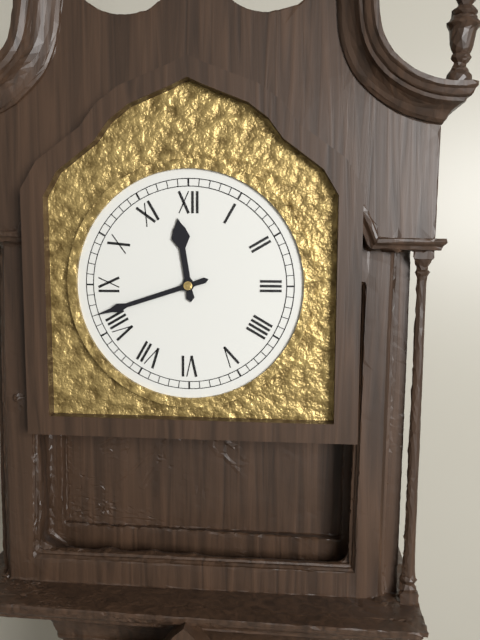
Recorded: {"hour": 11, "minute": 42}
